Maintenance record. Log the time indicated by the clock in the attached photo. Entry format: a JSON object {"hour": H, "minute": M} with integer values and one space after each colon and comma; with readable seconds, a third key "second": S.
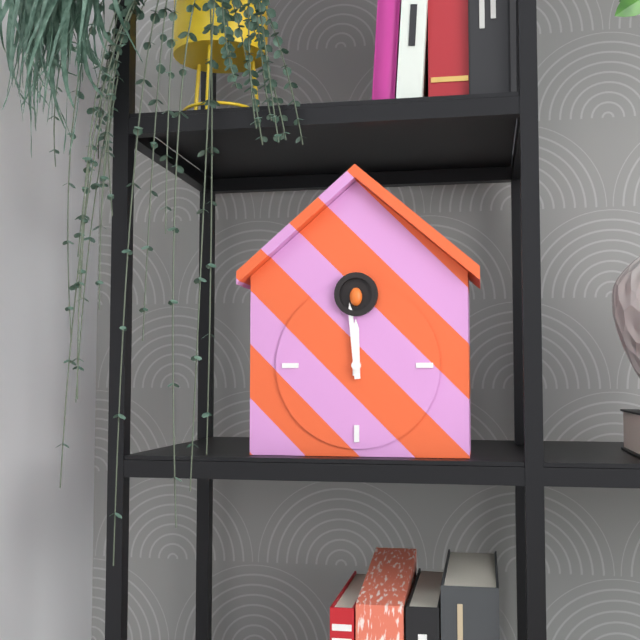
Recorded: {"hour": 11, "minute": 59}
